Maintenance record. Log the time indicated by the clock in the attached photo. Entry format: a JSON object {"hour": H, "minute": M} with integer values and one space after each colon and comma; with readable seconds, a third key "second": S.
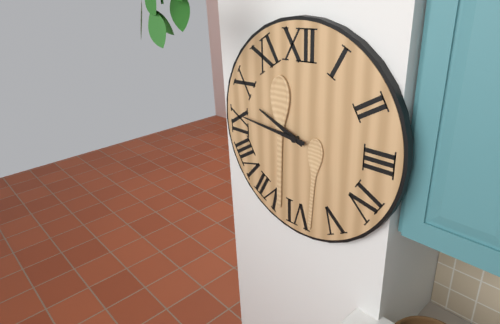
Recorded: {"hour": 9, "minute": 46}
